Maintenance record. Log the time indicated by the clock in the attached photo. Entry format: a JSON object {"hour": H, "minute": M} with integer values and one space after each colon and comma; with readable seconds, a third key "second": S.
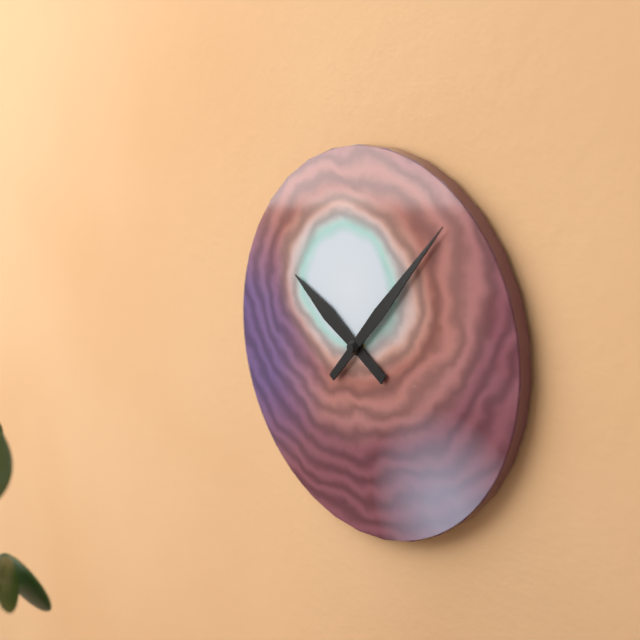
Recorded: {"hour": 10, "minute": 7}
